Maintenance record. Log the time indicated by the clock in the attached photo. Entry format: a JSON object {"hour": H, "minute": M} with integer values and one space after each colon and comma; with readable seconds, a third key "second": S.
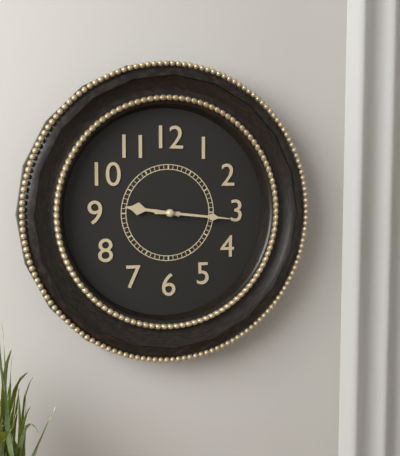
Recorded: {"hour": 9, "minute": 16}
